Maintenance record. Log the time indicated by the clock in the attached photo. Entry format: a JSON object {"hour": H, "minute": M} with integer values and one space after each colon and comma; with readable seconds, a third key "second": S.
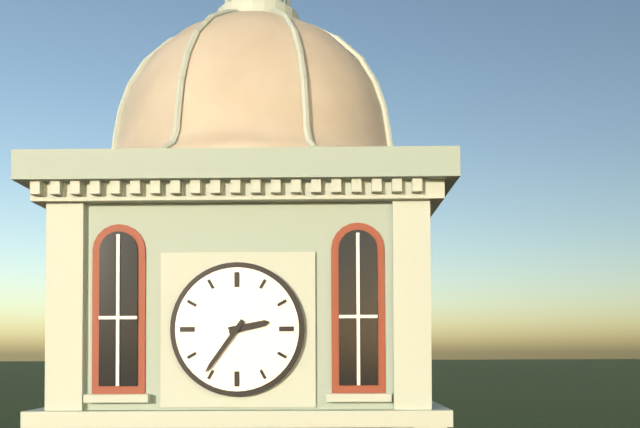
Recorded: {"hour": 2, "minute": 36}
